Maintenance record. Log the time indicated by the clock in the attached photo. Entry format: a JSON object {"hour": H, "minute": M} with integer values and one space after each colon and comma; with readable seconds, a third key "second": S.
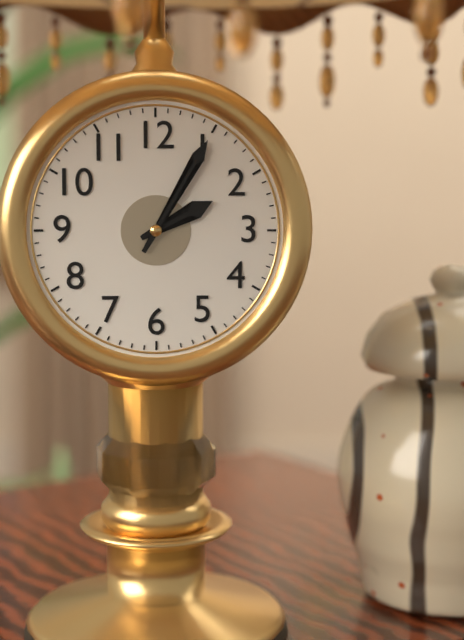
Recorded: {"hour": 2, "minute": 5}
